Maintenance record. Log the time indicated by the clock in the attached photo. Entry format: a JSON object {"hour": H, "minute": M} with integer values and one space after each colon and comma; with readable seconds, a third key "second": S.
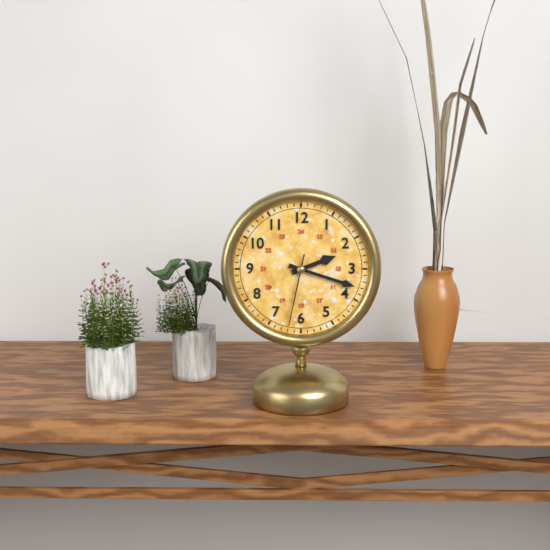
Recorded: {"hour": 2, "minute": 18, "second": 32}
